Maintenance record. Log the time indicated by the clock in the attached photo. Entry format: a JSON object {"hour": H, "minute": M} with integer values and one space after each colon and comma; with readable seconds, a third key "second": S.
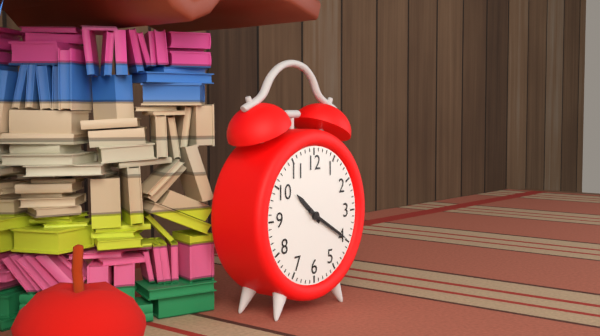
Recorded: {"hour": 10, "minute": 20}
